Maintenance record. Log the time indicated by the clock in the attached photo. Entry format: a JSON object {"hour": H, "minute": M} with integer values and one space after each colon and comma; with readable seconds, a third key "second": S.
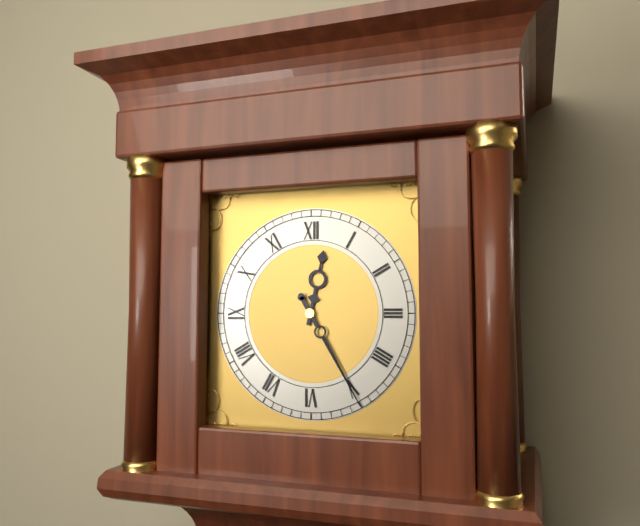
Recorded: {"hour": 12, "minute": 25}
